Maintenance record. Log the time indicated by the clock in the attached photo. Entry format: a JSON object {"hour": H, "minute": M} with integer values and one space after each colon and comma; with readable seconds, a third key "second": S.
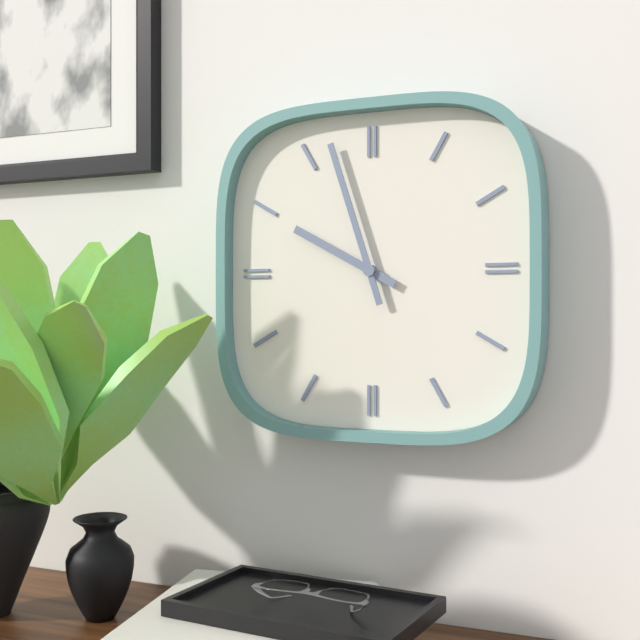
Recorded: {"hour": 9, "minute": 57}
